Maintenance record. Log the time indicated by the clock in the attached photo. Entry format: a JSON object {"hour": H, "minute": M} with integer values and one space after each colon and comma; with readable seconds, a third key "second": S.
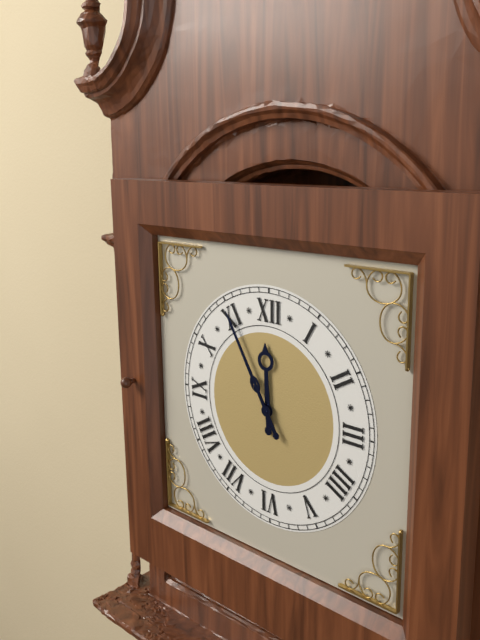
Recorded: {"hour": 11, "minute": 55}
